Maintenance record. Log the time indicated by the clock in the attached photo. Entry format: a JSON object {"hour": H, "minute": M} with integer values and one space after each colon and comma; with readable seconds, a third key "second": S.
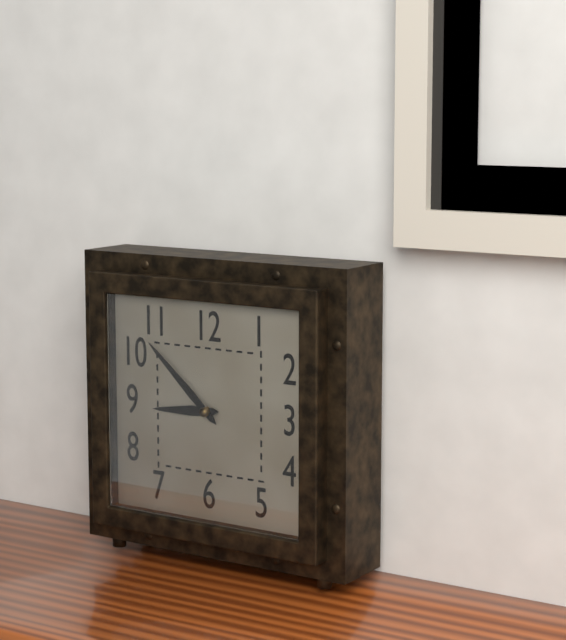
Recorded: {"hour": 8, "minute": 52}
